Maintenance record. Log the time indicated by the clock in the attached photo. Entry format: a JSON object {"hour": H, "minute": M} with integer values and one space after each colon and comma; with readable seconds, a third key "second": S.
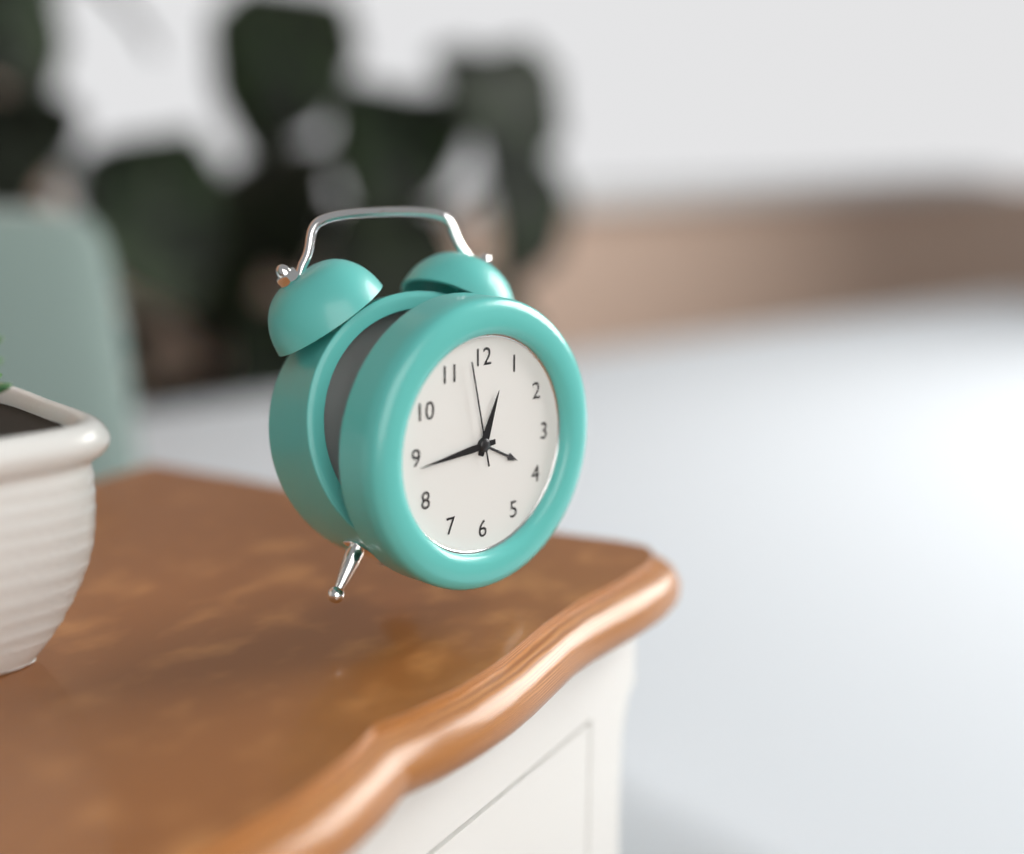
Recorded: {"hour": 12, "minute": 44, "second": 58}
